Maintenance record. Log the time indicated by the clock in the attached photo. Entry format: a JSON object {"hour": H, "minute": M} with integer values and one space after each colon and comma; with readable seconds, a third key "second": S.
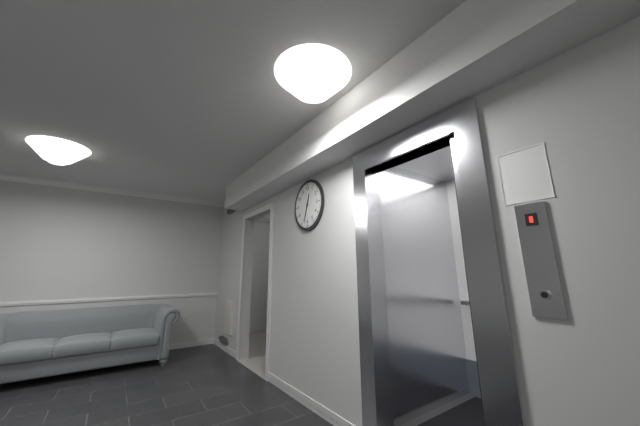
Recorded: {"hour": 12, "minute": 33}
